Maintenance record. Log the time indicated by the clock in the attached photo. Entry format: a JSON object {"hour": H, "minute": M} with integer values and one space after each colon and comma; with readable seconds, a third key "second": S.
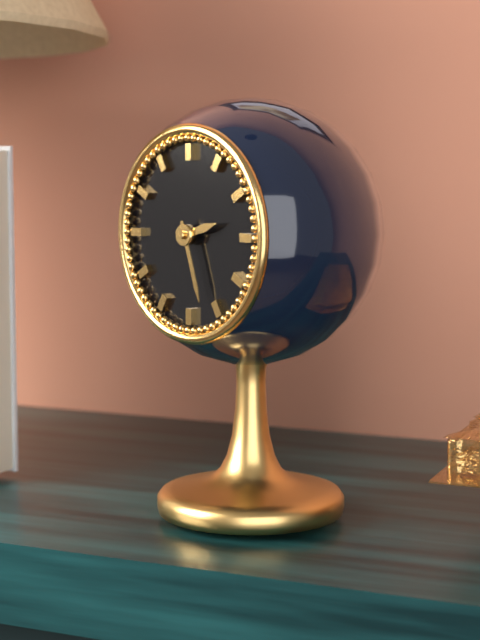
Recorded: {"hour": 2, "minute": 27}
